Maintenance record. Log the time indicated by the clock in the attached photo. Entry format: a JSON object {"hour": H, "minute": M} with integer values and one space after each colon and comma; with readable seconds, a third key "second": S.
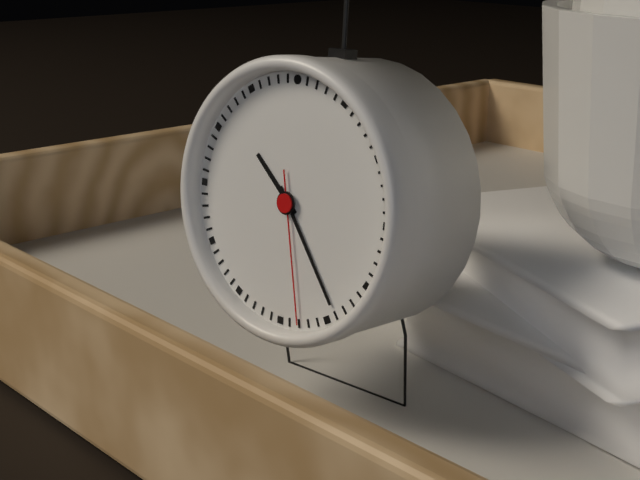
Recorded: {"hour": 10, "minute": 24, "second": 28}
